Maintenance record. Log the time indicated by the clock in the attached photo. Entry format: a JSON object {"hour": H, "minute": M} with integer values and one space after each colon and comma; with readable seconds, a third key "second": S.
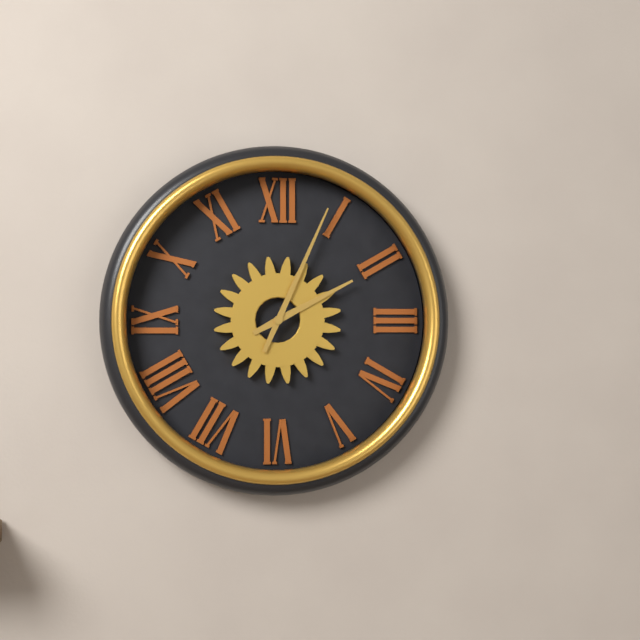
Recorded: {"hour": 2, "minute": 4}
